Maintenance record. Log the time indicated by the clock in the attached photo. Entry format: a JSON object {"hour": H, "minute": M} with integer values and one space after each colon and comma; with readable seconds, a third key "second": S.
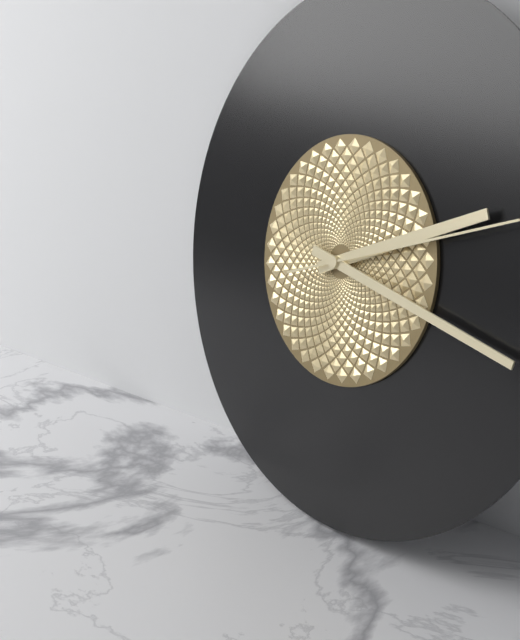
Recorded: {"hour": 2, "minute": 17, "second": 12}
